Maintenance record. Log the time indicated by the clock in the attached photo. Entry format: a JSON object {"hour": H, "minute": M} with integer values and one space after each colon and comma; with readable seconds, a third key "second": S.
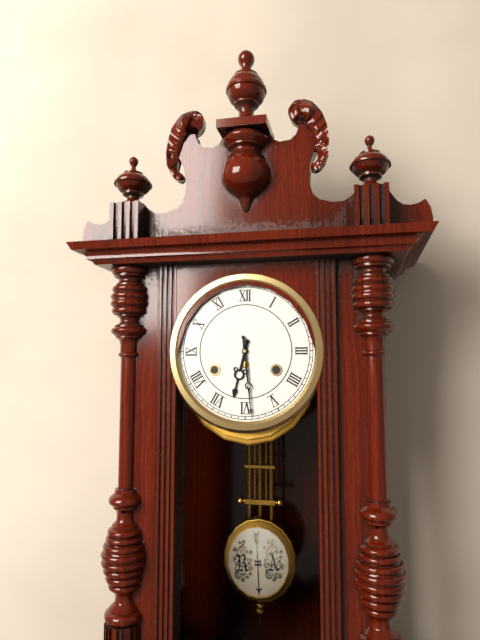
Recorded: {"hour": 6, "minute": 29}
